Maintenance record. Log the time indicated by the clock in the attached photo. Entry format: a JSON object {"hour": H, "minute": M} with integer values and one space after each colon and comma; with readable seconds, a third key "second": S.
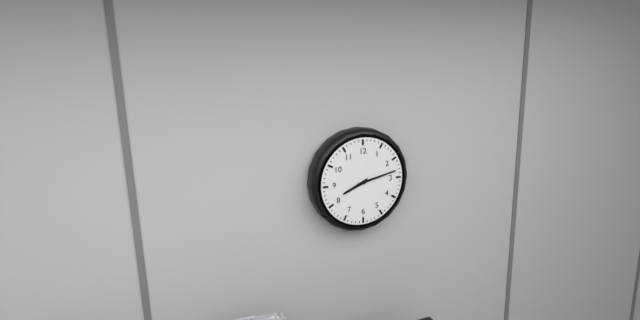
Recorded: {"hour": 8, "minute": 13}
